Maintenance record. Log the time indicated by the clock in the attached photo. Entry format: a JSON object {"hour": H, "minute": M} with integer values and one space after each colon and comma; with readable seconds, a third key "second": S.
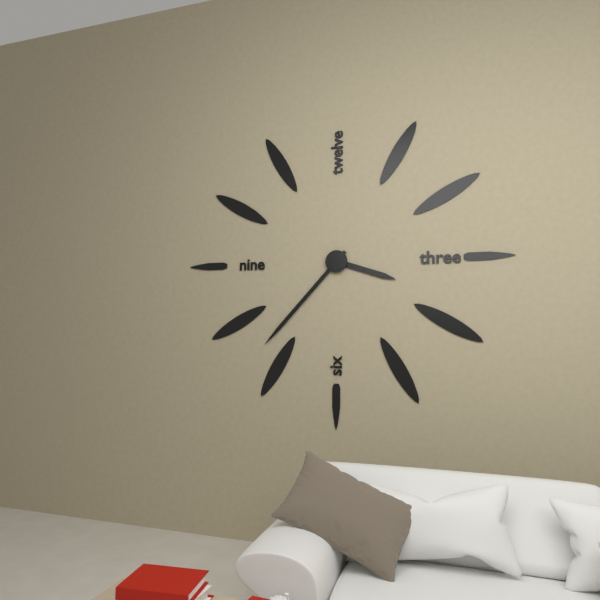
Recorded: {"hour": 3, "minute": 37}
